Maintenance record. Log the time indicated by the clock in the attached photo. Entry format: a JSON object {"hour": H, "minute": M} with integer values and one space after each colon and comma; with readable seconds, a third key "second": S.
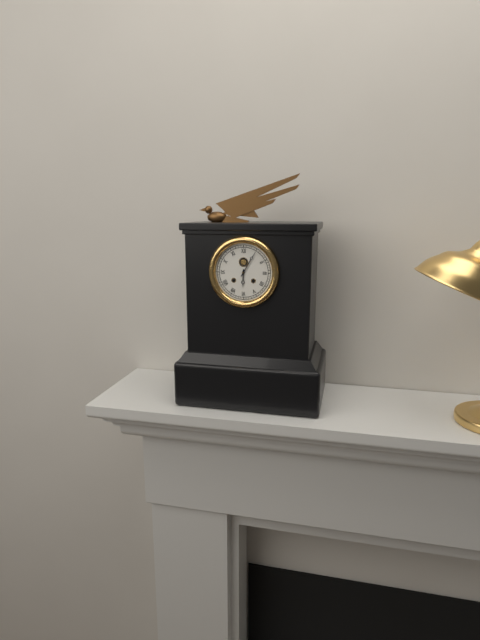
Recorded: {"hour": 6, "minute": 5}
